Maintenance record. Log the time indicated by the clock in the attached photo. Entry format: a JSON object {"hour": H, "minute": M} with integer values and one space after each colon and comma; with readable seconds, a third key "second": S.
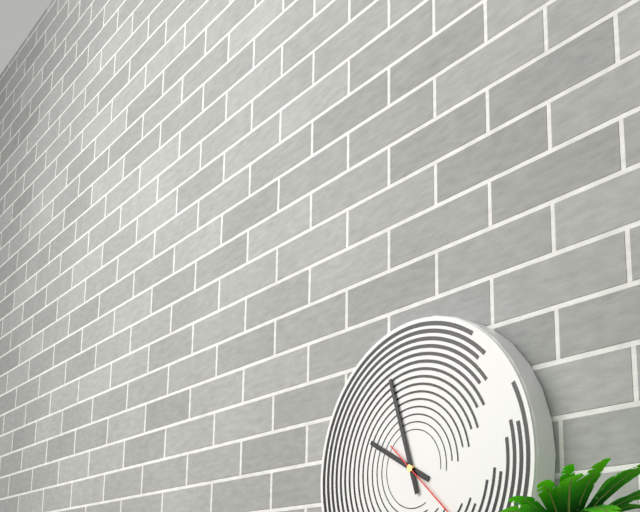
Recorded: {"hour": 9, "minute": 57}
